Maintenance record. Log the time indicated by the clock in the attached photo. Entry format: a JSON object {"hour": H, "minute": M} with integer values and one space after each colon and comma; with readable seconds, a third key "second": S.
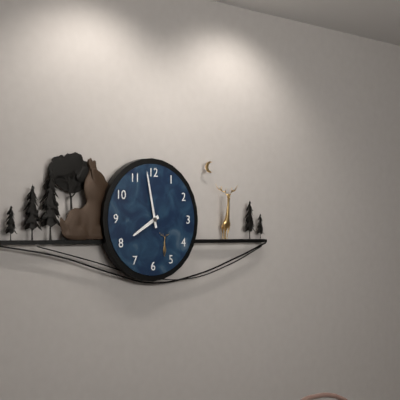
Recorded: {"hour": 7, "minute": 58}
